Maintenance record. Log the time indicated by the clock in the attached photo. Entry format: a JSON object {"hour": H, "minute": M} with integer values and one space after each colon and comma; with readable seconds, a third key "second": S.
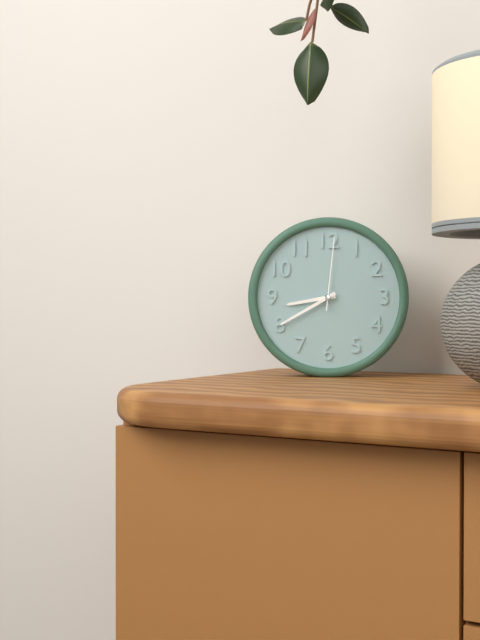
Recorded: {"hour": 8, "minute": 40, "second": 1}
